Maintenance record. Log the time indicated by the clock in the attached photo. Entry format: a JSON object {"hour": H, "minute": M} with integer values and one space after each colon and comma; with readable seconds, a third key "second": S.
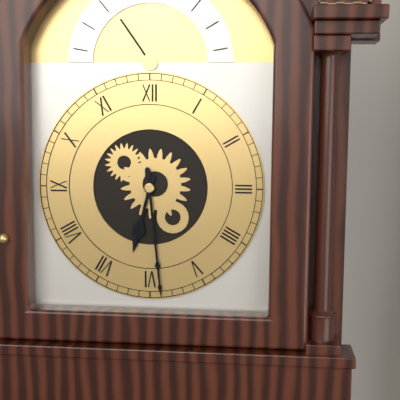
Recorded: {"hour": 6, "minute": 29}
